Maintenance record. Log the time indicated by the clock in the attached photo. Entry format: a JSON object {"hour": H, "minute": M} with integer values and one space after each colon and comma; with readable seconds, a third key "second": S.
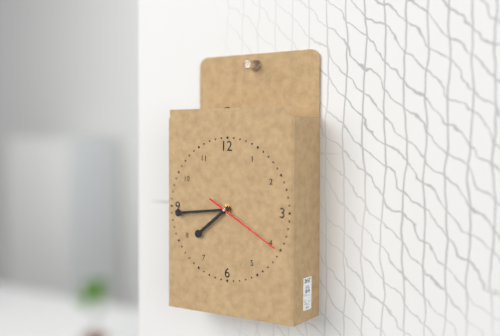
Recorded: {"hour": 7, "minute": 44, "second": 20}
